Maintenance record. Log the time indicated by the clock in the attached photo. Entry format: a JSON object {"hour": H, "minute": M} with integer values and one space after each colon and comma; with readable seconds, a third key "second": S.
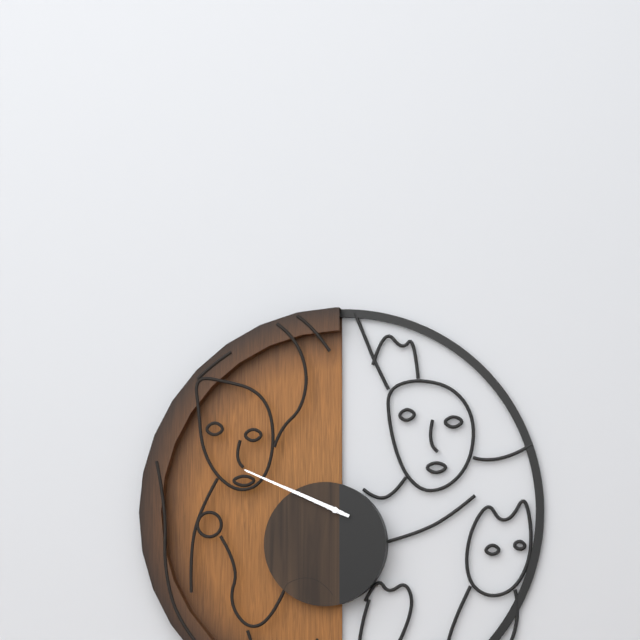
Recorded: {"hour": 9, "minute": 49}
